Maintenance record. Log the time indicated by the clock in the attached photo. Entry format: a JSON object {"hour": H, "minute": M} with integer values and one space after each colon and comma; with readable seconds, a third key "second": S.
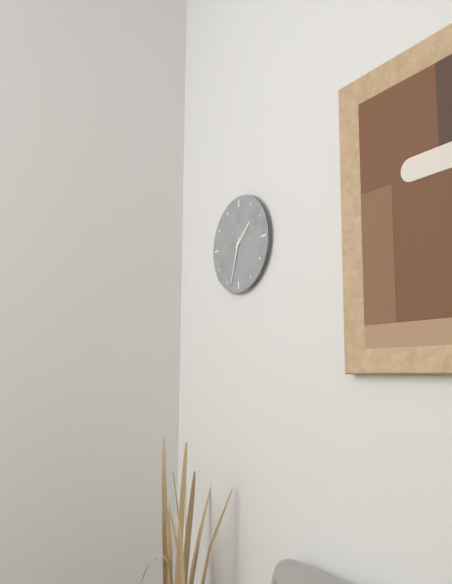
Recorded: {"hour": 1, "minute": 33}
